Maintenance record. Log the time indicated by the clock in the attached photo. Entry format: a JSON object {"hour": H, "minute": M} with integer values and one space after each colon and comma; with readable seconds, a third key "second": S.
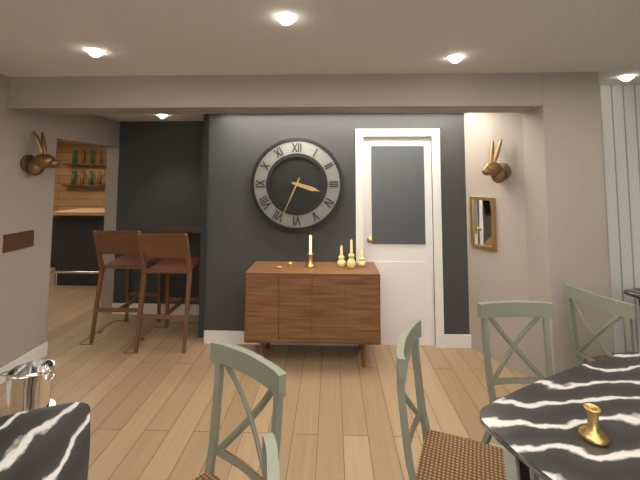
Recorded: {"hour": 3, "minute": 34}
